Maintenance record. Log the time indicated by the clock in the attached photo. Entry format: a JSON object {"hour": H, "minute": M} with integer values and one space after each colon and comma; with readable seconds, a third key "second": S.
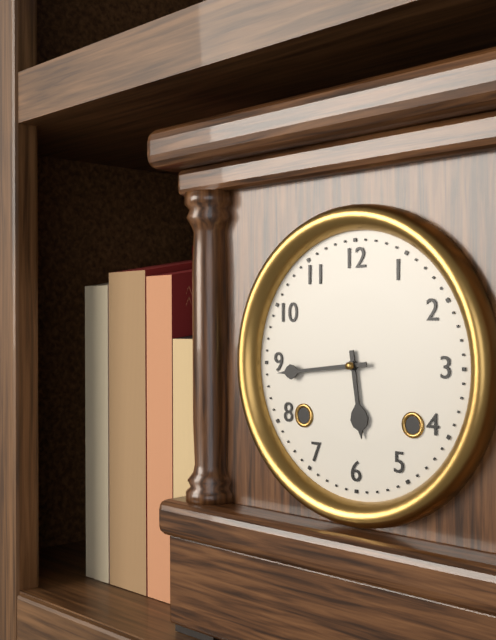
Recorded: {"hour": 5, "minute": 44}
